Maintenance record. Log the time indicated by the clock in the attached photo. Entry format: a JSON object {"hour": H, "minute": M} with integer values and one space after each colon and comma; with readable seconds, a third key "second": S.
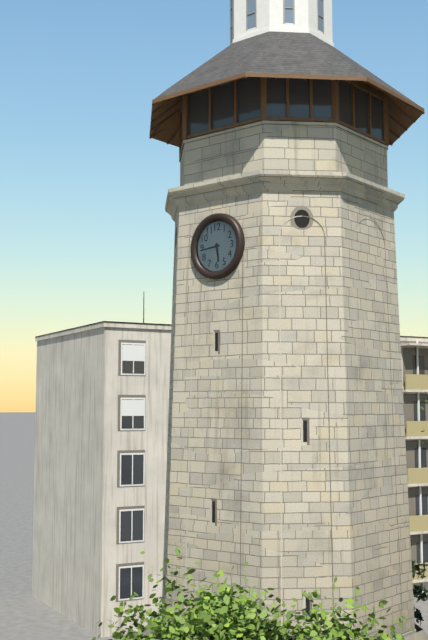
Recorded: {"hour": 5, "minute": 44}
